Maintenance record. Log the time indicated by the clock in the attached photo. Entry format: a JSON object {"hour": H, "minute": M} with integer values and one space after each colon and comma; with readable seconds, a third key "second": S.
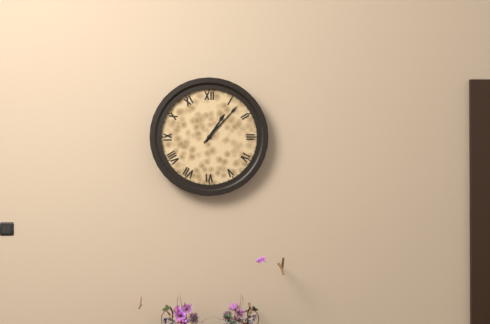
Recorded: {"hour": 1, "minute": 7}
